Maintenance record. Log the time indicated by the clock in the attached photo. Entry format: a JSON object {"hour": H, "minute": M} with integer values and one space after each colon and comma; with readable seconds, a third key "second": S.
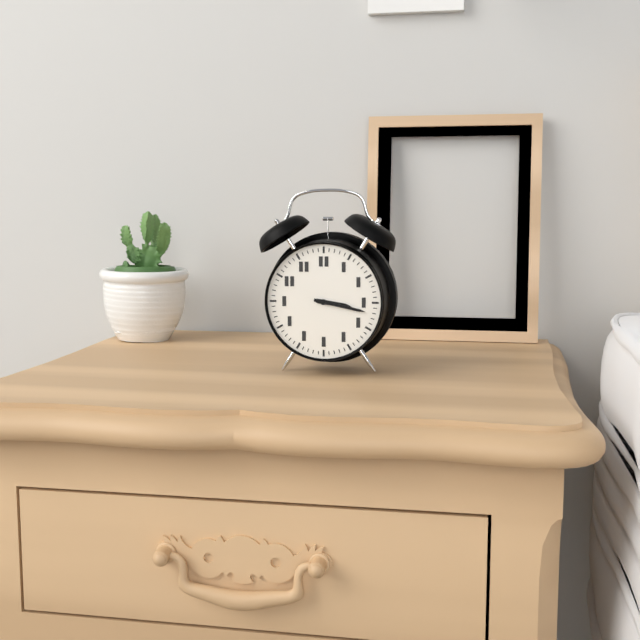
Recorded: {"hour": 3, "minute": 17}
